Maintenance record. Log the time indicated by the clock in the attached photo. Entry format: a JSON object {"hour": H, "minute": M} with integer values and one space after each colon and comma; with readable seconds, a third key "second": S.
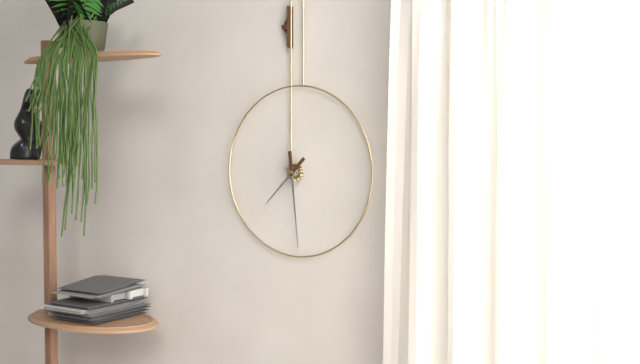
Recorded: {"hour": 7, "minute": 29}
